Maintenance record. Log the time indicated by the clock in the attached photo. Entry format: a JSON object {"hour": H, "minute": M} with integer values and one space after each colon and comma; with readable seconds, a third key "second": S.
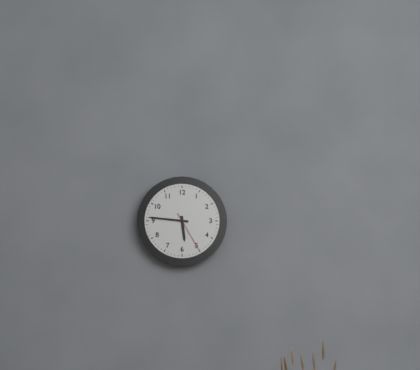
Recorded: {"hour": 5, "minute": 46}
